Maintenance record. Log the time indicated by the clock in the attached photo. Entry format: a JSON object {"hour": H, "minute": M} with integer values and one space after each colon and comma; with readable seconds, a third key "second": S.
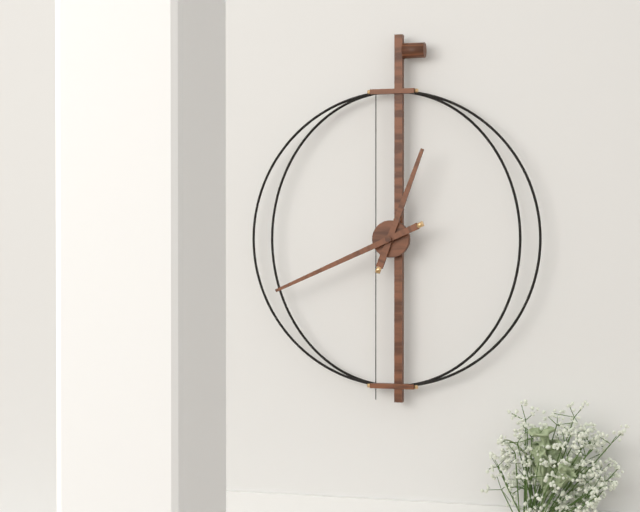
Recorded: {"hour": 12, "minute": 41}
